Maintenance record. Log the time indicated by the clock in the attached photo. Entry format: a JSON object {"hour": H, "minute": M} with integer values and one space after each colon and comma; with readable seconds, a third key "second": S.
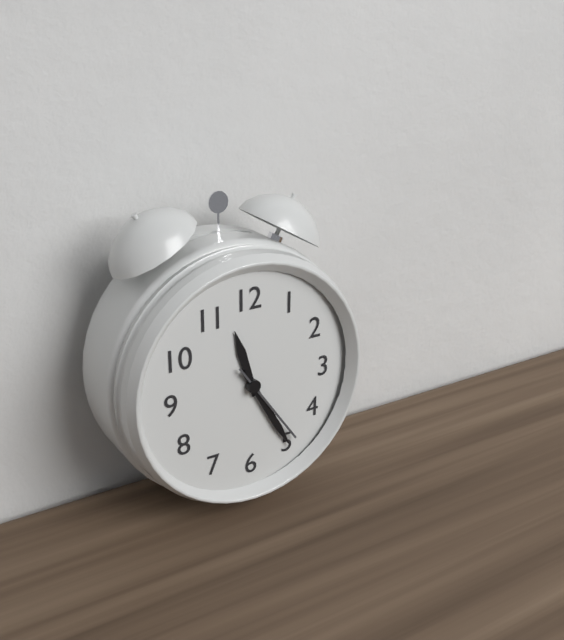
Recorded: {"hour": 11, "minute": 25, "second": 24}
